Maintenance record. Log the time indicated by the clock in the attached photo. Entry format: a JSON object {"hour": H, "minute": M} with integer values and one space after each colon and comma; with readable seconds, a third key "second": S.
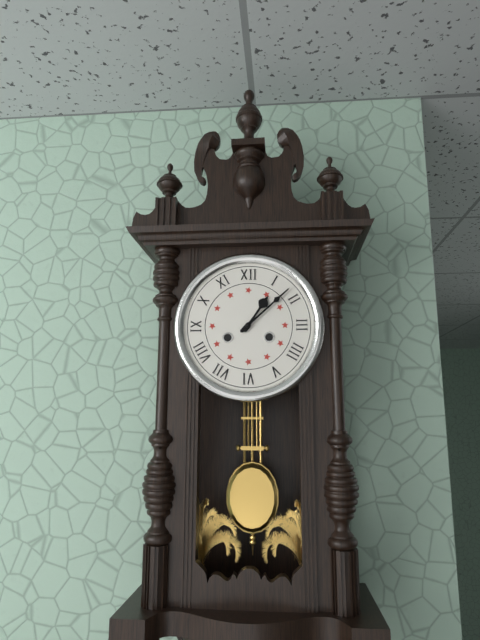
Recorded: {"hour": 1, "minute": 8}
